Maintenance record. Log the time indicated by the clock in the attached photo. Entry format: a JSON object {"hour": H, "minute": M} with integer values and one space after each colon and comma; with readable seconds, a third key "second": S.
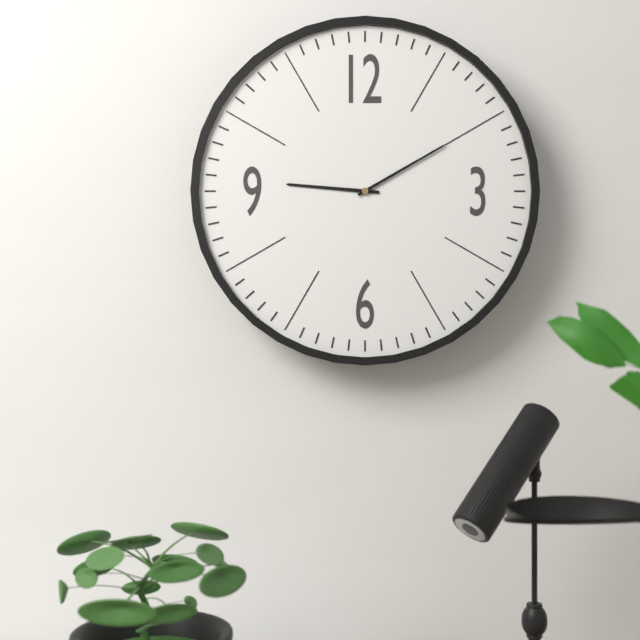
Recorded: {"hour": 9, "minute": 10}
